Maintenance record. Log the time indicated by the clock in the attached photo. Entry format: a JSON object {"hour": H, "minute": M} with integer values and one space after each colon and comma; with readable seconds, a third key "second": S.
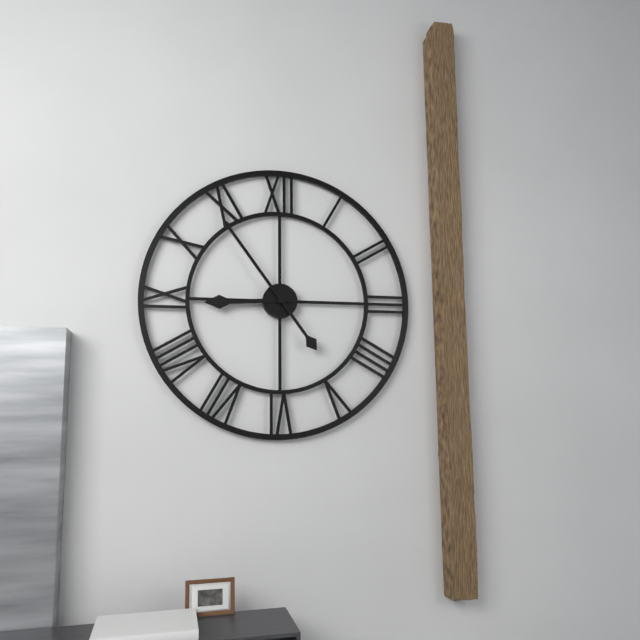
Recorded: {"hour": 8, "minute": 54}
